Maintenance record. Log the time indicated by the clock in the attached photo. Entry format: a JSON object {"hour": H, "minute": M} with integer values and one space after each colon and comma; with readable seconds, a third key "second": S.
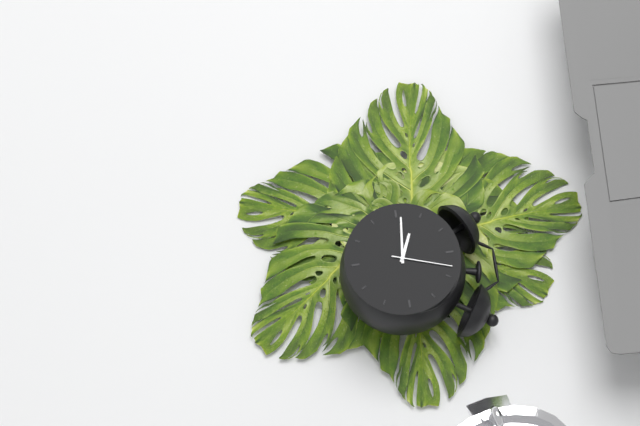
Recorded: {"hour": 9, "minute": 46, "second": 3}
